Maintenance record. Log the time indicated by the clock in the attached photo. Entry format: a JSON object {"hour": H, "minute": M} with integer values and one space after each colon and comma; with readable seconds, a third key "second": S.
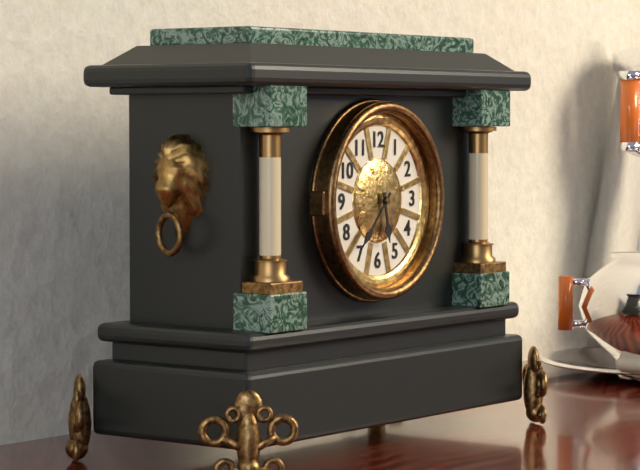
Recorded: {"hour": 5, "minute": 37}
